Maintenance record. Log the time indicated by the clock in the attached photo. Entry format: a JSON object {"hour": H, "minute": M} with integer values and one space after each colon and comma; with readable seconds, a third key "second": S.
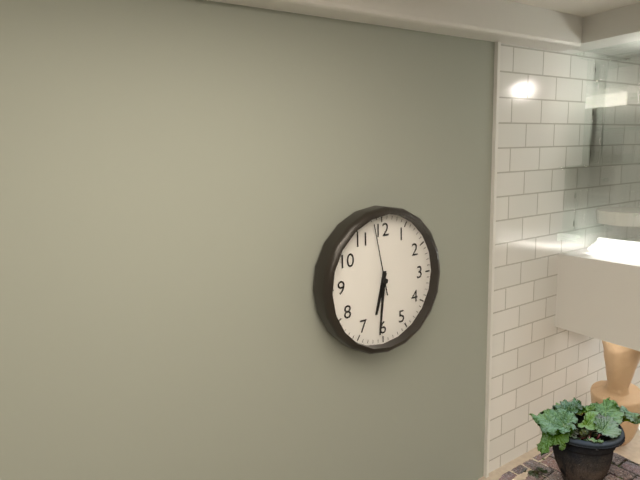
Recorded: {"hour": 6, "minute": 31, "second": 58}
